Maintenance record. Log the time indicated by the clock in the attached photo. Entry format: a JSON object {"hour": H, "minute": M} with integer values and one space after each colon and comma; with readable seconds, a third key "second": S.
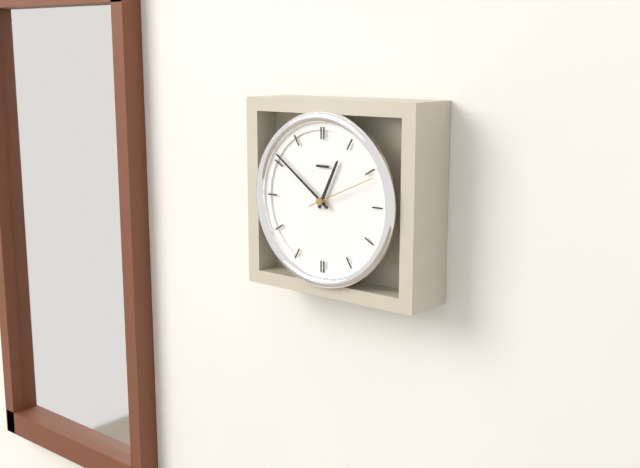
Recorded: {"hour": 12, "minute": 51, "second": 11}
